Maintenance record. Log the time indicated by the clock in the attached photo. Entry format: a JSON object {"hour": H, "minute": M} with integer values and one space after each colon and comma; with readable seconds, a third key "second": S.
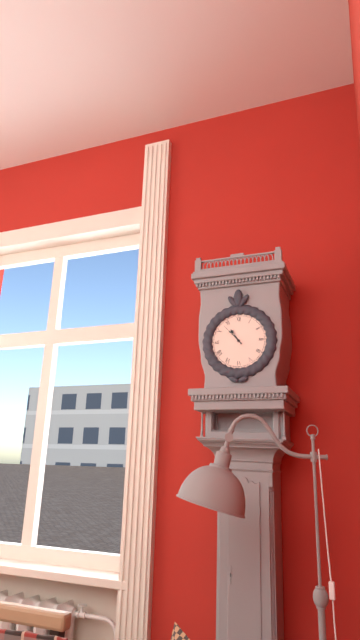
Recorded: {"hour": 10, "minute": 53}
